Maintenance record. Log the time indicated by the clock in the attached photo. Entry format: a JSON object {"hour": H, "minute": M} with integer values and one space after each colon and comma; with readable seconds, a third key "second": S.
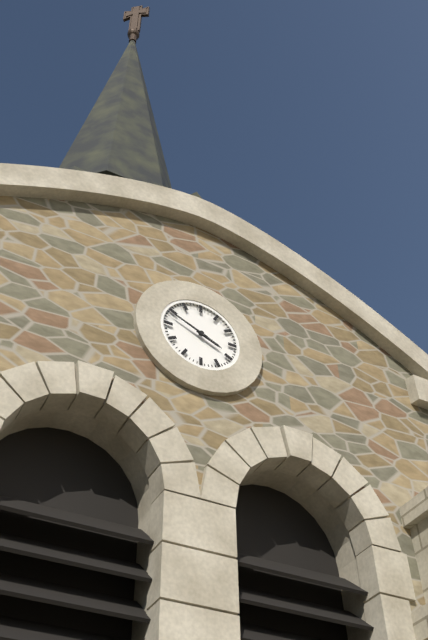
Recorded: {"hour": 3, "minute": 49}
